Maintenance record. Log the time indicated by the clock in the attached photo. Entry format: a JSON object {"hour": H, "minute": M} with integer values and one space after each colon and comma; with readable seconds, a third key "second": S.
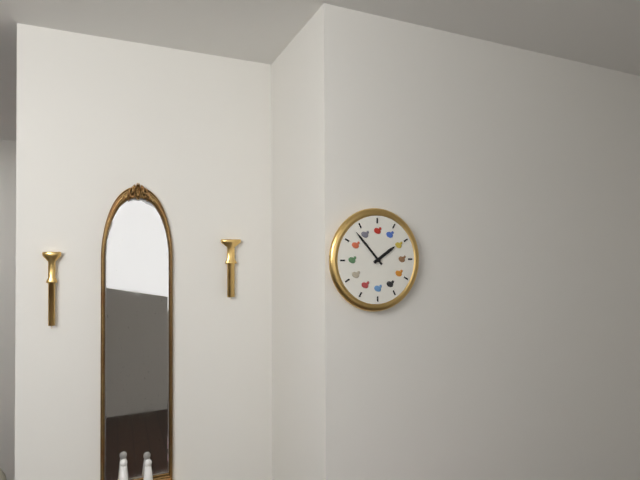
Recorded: {"hour": 1, "minute": 53}
